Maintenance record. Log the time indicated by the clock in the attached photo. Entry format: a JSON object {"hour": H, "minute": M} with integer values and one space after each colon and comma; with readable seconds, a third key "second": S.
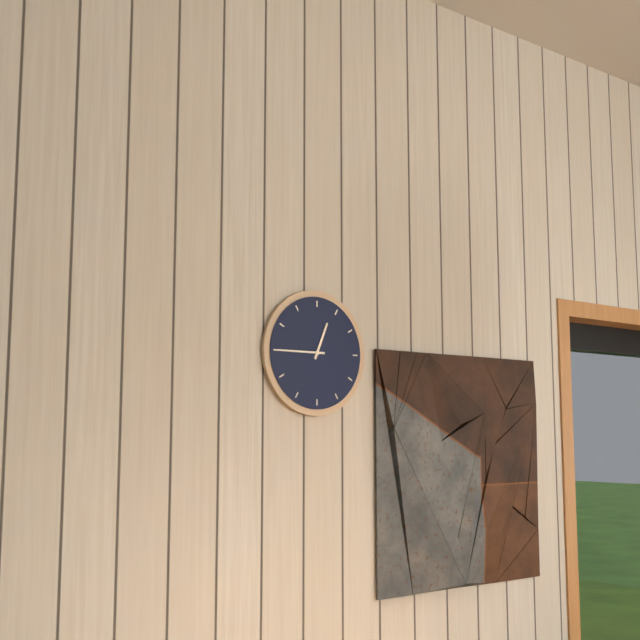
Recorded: {"hour": 12, "minute": 45}
